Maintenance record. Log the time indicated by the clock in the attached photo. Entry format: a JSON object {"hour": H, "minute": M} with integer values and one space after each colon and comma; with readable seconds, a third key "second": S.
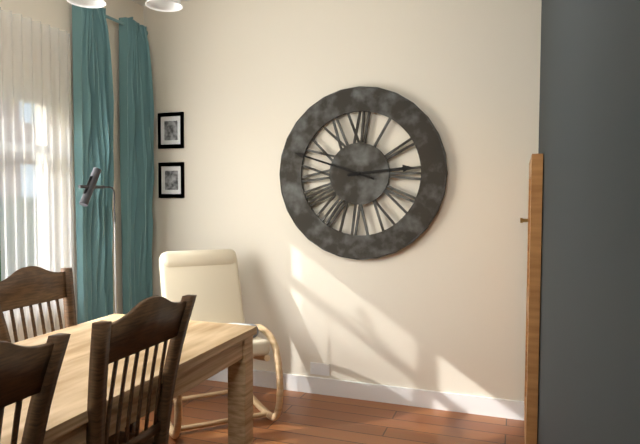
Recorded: {"hour": 2, "minute": 48}
